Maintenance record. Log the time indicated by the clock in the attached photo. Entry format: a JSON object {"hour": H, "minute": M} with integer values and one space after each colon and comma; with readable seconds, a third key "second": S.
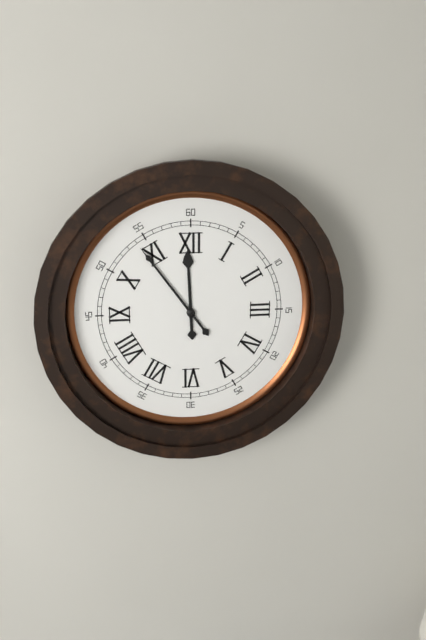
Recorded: {"hour": 11, "minute": 54}
